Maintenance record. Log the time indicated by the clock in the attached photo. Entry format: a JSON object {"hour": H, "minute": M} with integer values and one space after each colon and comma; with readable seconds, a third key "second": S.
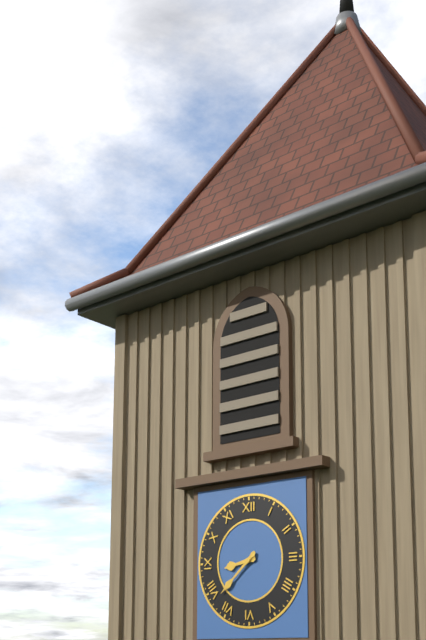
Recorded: {"hour": 8, "minute": 38}
